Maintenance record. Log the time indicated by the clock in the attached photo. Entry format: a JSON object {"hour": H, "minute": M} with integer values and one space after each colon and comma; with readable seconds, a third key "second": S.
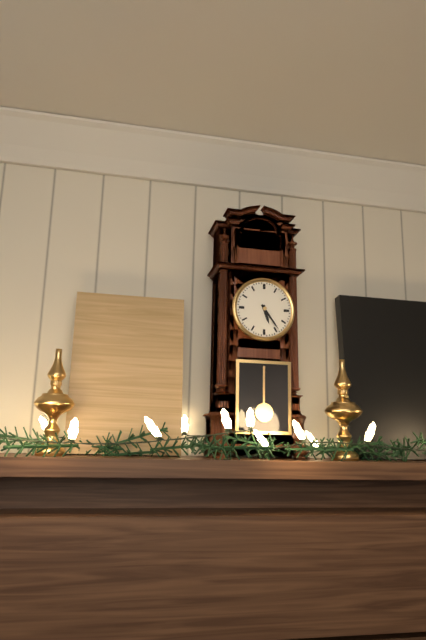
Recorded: {"hour": 5, "minute": 24}
